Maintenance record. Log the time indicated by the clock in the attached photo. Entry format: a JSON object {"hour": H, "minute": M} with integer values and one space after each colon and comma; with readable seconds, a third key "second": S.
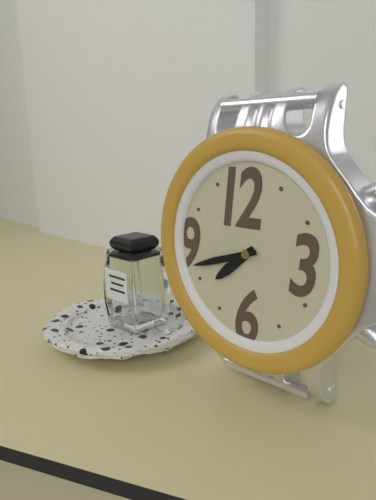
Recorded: {"hour": 7, "minute": 42}
